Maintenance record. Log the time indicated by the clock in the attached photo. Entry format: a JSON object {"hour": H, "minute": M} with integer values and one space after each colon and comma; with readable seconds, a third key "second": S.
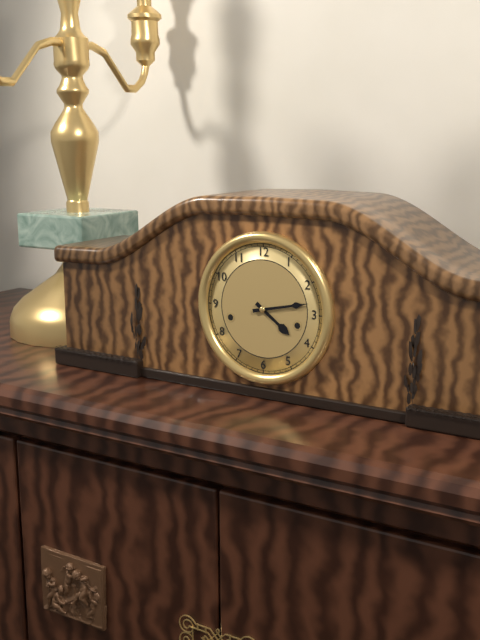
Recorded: {"hour": 4, "minute": 13}
